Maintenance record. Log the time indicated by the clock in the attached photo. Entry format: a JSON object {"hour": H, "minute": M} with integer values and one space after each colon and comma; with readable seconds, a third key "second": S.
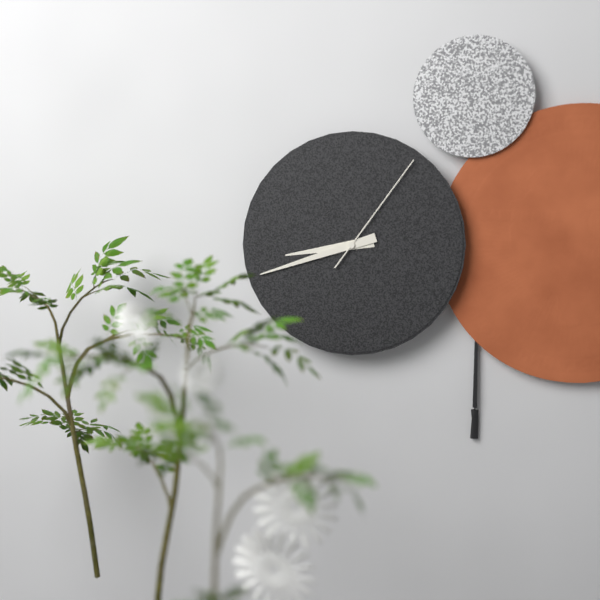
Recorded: {"hour": 8, "minute": 42, "second": 6}
